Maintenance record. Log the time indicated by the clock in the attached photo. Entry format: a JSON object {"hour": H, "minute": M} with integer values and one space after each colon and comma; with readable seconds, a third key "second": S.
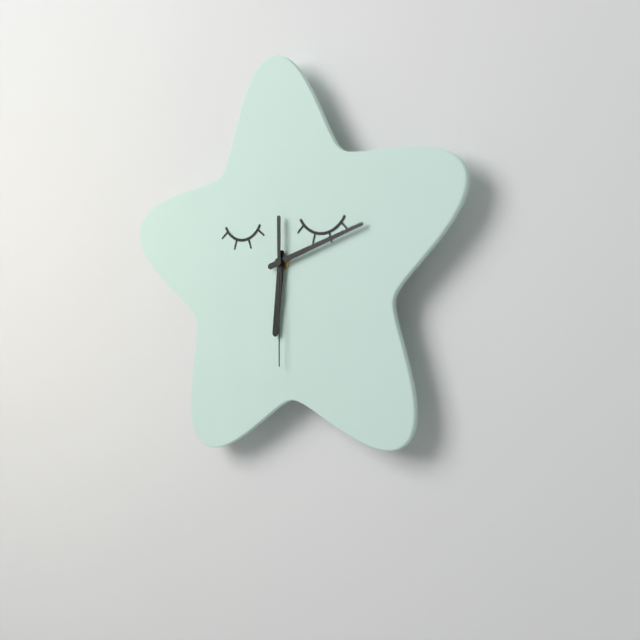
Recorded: {"hour": 6, "minute": 12, "second": 30}
